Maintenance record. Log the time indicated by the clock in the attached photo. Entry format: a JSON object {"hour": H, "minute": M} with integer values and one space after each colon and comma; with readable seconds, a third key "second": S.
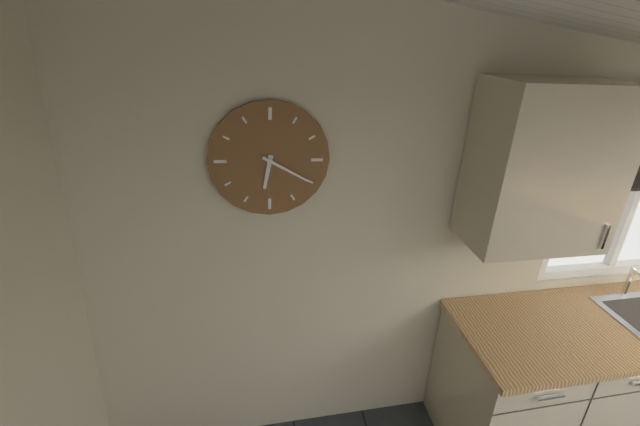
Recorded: {"hour": 6, "minute": 20}
